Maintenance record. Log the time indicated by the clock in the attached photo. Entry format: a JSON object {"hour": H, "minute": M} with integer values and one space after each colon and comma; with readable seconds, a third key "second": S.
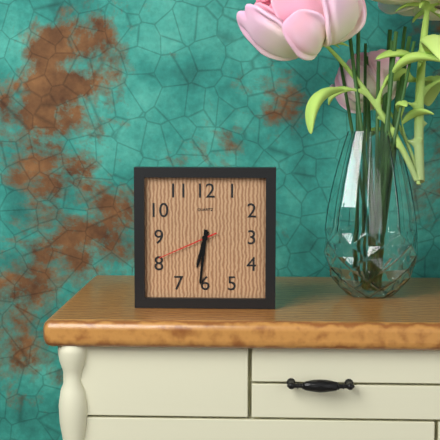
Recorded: {"hour": 6, "minute": 31, "second": 41}
